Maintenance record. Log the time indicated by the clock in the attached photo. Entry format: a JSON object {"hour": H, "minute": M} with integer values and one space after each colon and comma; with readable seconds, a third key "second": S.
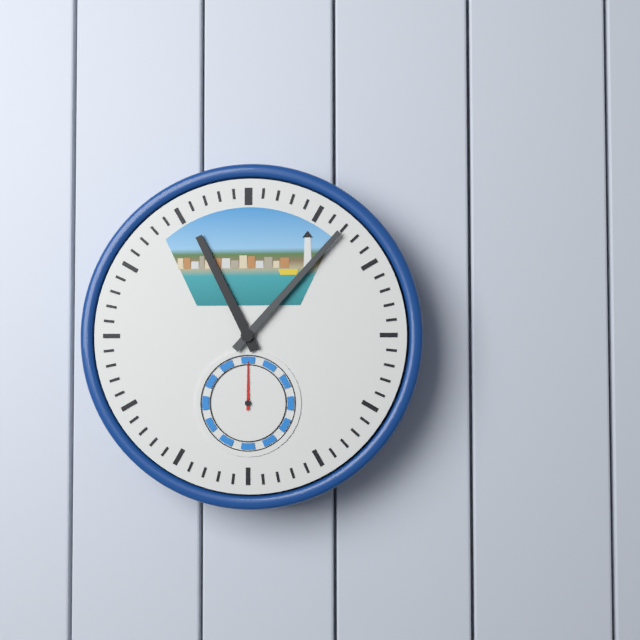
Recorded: {"hour": 11, "minute": 7}
